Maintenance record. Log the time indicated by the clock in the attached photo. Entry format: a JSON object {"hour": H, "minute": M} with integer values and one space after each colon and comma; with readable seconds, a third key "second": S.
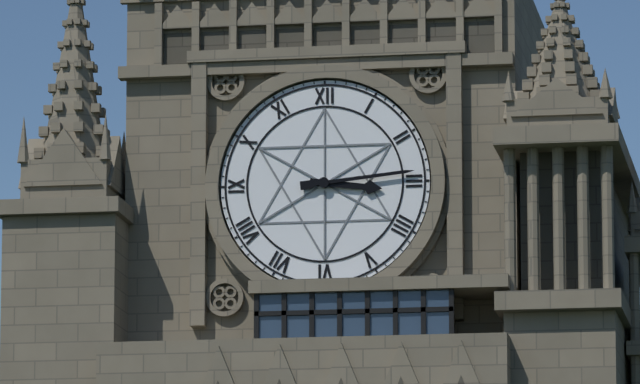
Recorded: {"hour": 3, "minute": 14}
